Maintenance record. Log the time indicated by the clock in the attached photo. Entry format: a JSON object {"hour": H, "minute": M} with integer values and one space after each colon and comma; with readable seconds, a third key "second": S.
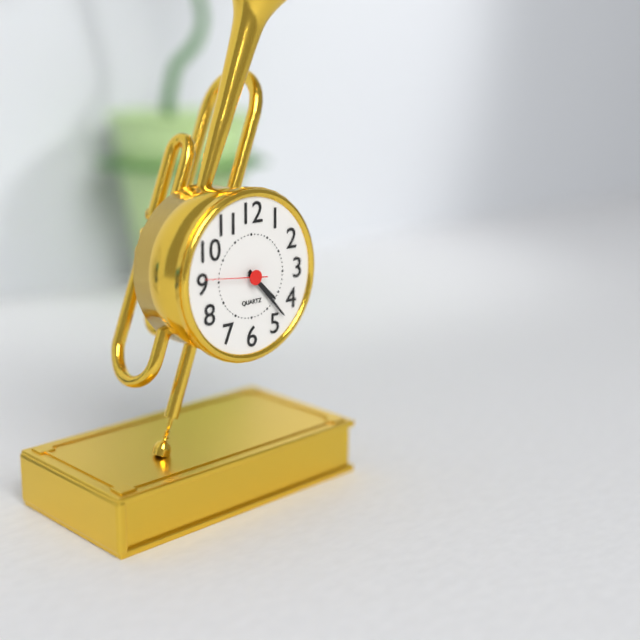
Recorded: {"hour": 4, "minute": 23, "second": 46}
